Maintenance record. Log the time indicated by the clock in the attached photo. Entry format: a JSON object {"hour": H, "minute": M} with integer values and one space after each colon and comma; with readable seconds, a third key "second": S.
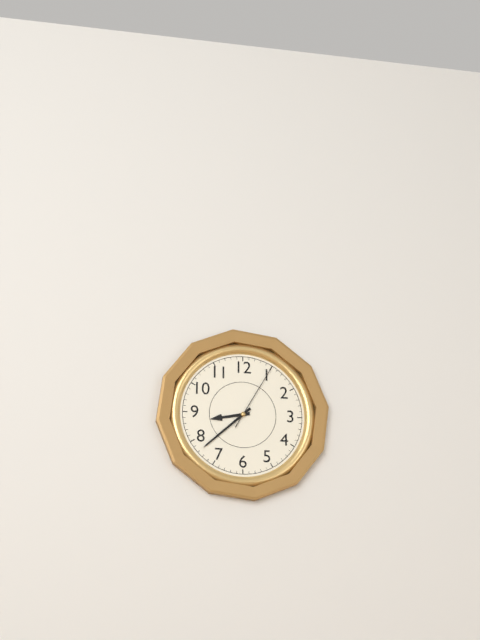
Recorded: {"hour": 8, "minute": 38, "second": 5}
